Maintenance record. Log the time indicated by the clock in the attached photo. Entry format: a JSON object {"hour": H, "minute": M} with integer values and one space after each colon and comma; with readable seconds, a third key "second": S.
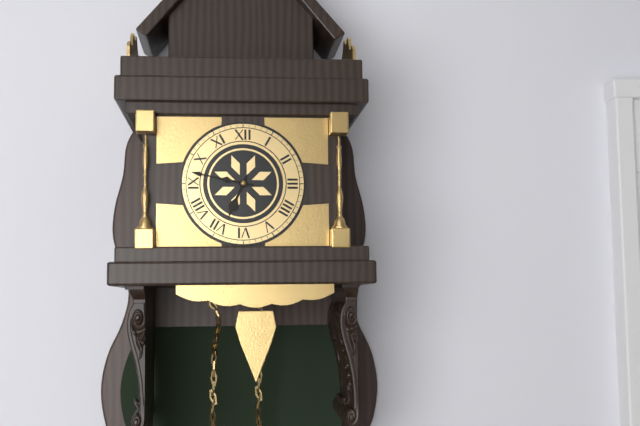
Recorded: {"hour": 6, "minute": 47}
